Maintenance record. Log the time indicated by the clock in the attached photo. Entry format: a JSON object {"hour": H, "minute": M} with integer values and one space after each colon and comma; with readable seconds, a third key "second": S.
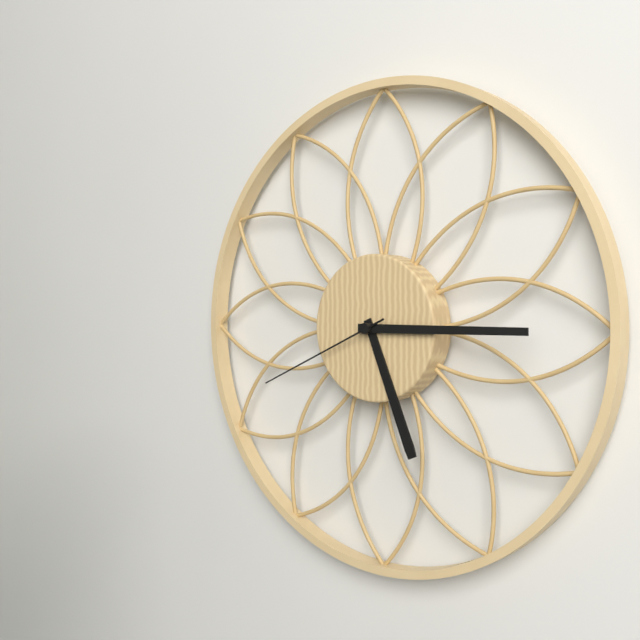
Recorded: {"hour": 5, "minute": 15, "second": 41}
